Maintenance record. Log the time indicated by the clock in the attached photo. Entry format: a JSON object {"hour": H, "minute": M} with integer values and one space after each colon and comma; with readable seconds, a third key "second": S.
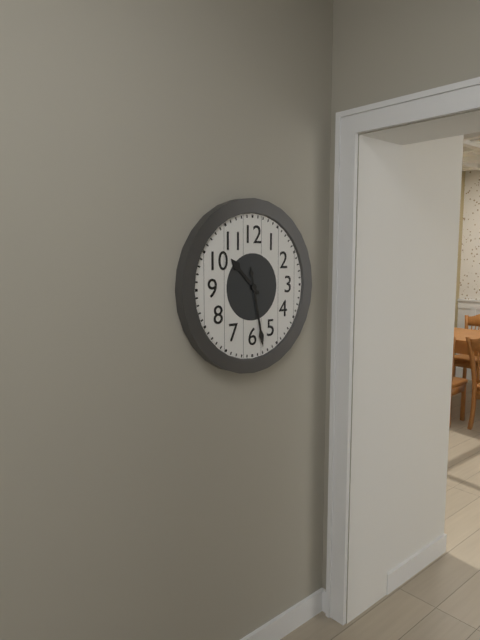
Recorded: {"hour": 10, "minute": 28}
